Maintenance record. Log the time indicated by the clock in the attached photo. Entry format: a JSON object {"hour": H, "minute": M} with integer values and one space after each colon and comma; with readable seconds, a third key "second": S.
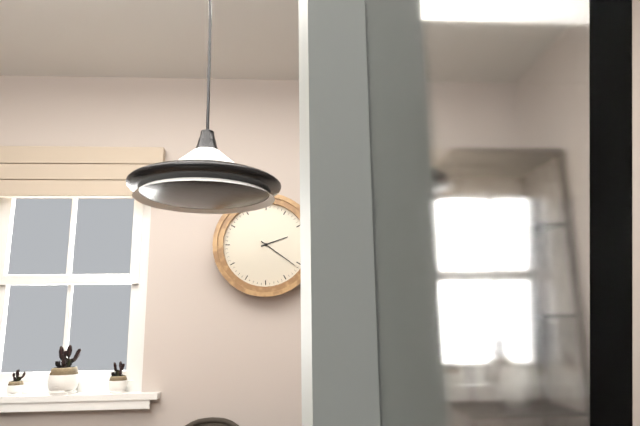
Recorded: {"hour": 2, "minute": 21}
